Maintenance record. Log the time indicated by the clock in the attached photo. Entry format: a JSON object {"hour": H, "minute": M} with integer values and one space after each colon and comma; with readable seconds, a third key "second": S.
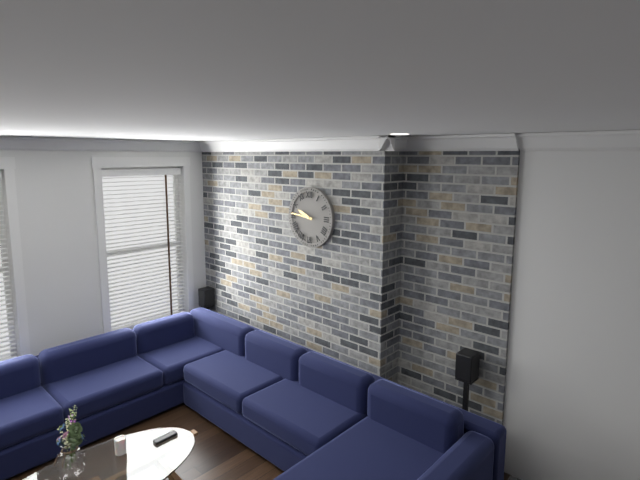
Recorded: {"hour": 9, "minute": 46}
